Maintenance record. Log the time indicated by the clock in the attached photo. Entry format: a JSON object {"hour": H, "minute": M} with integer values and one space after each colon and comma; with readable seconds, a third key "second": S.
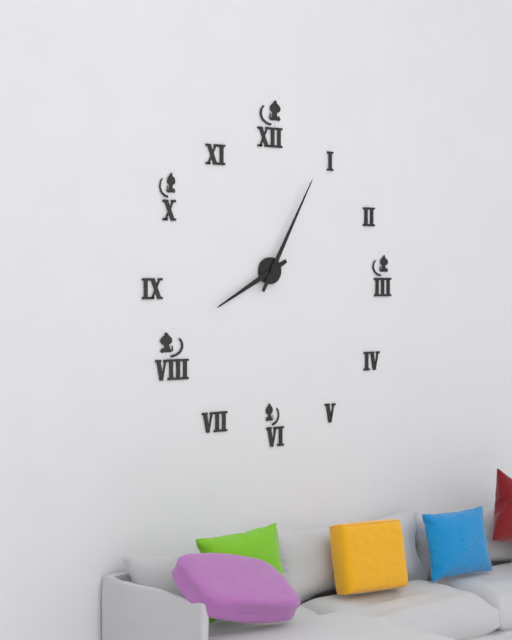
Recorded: {"hour": 8, "minute": 5}
